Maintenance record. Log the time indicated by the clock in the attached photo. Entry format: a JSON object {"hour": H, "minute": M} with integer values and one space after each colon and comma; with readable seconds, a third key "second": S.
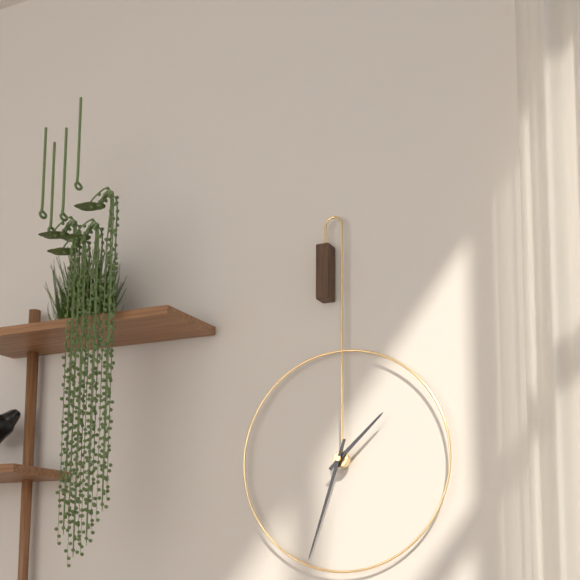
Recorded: {"hour": 1, "minute": 33}
